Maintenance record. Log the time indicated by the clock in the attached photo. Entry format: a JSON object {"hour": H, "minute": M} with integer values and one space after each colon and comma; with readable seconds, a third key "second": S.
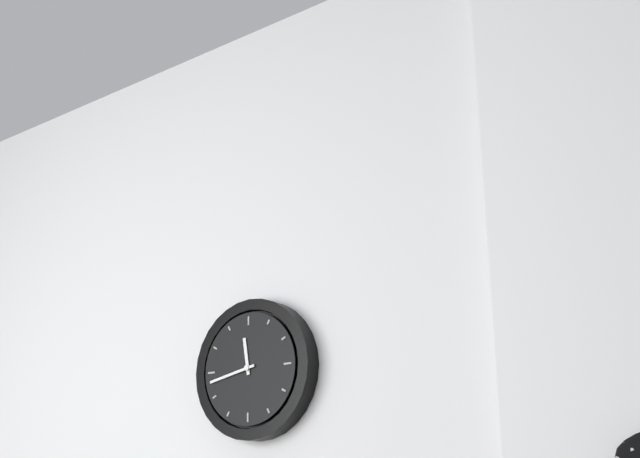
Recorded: {"hour": 11, "minute": 43}
